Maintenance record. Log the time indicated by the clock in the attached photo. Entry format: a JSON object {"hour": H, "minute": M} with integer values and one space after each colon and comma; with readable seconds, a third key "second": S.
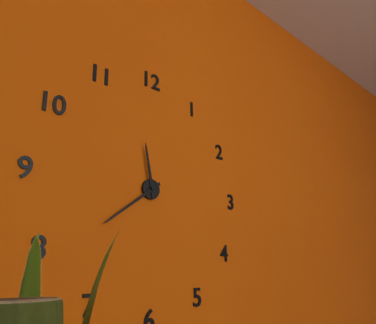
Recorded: {"hour": 11, "minute": 39}
